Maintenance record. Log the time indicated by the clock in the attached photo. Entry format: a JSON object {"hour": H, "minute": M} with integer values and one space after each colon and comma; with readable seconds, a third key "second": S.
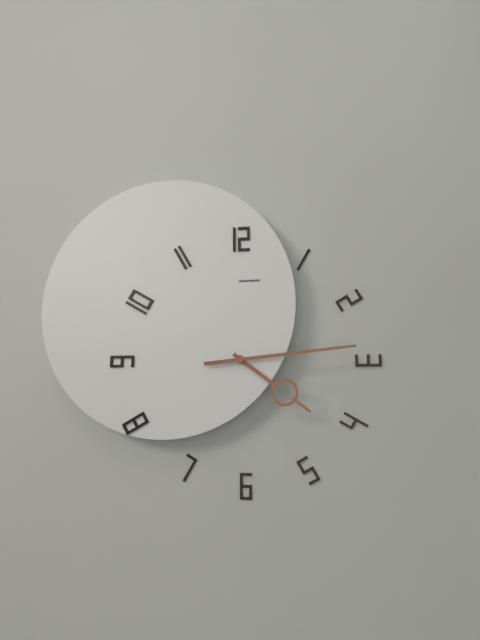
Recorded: {"hour": 4, "minute": 14}
